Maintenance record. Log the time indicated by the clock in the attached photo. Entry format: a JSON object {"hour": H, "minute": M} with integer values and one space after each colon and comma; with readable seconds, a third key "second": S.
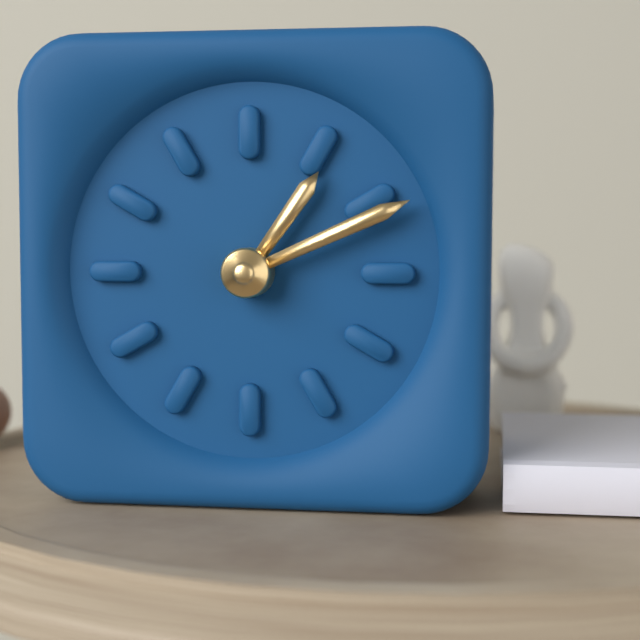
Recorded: {"hour": 1, "minute": 11}
